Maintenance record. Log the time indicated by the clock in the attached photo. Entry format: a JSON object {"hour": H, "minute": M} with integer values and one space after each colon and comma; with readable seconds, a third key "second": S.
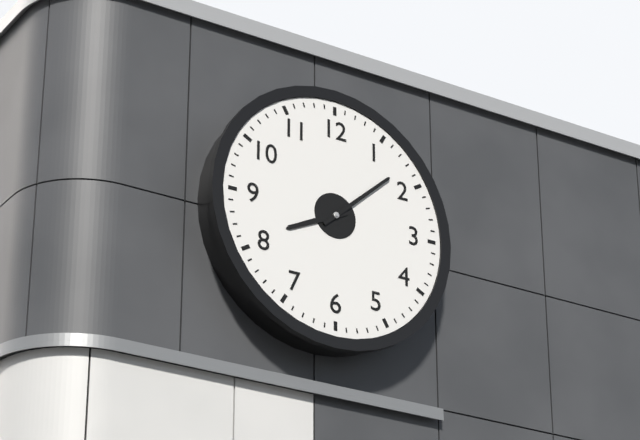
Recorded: {"hour": 8, "minute": 8}
